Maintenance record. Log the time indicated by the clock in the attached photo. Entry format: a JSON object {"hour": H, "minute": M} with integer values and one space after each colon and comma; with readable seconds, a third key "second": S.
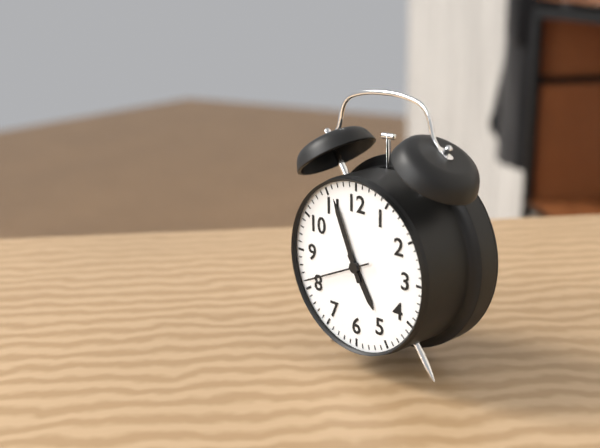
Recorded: {"hour": 4, "minute": 56, "second": 41}
